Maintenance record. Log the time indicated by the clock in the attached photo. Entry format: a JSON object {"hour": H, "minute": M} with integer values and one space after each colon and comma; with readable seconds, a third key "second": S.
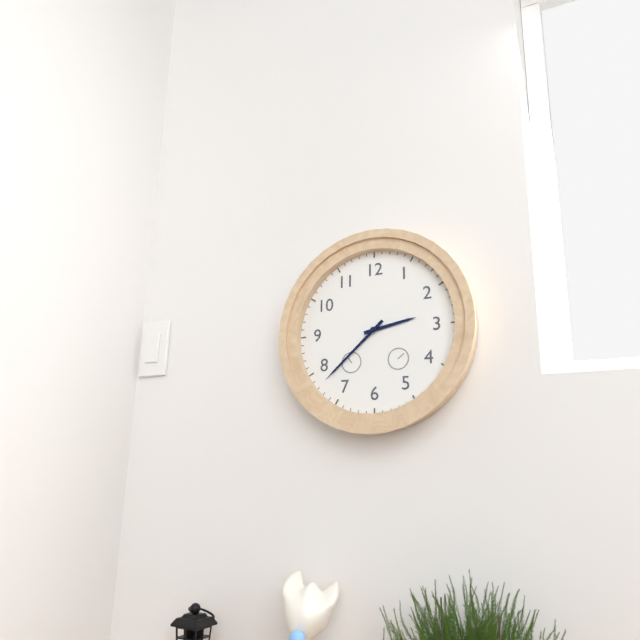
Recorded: {"hour": 2, "minute": 38}
